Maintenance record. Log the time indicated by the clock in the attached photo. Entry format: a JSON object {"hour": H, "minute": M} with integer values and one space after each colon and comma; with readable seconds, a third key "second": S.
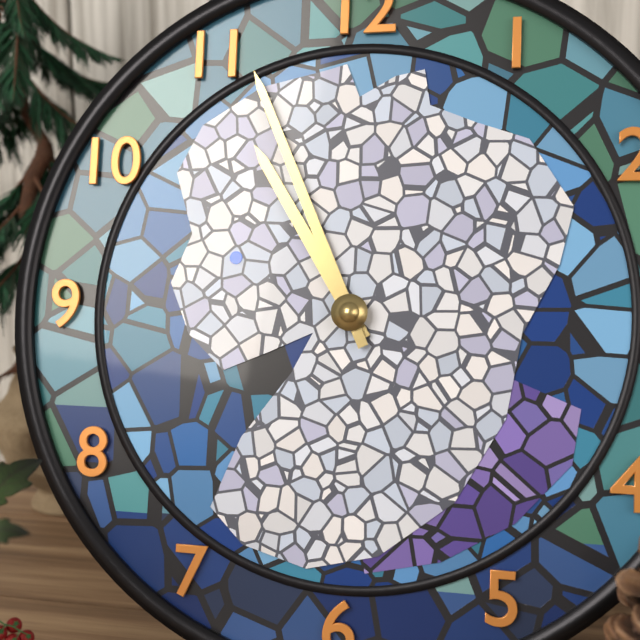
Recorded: {"hour": 10, "minute": 56}
